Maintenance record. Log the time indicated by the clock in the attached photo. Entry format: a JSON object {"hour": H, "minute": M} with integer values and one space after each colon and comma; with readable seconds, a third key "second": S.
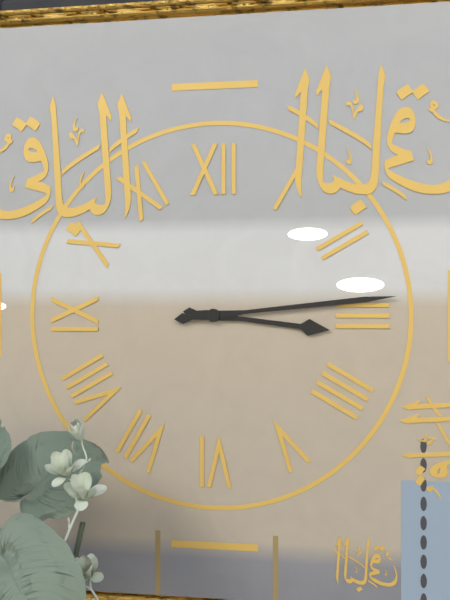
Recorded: {"hour": 3, "minute": 14}
